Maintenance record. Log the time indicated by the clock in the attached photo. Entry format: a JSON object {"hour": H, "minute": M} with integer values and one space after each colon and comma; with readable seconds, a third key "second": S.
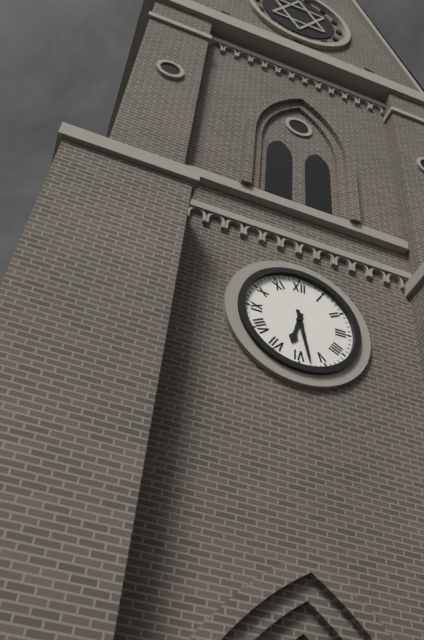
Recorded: {"hour": 6, "minute": 28}
